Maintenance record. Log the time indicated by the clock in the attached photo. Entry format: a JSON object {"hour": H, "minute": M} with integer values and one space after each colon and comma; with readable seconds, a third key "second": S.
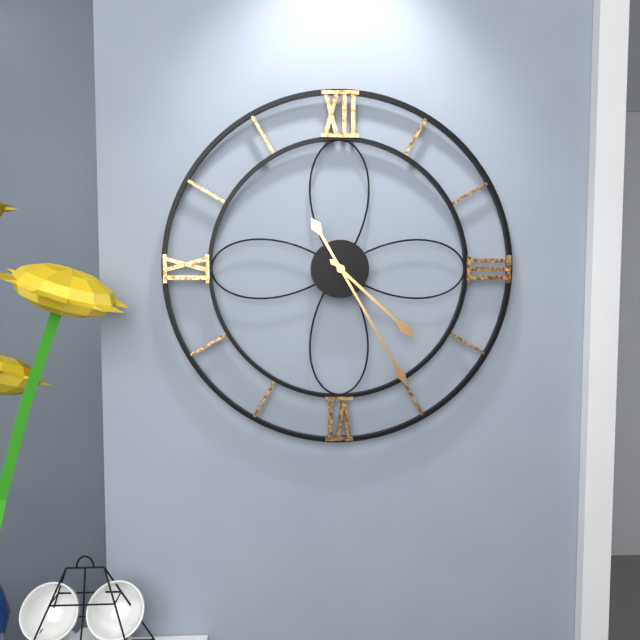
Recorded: {"hour": 4, "minute": 25}
